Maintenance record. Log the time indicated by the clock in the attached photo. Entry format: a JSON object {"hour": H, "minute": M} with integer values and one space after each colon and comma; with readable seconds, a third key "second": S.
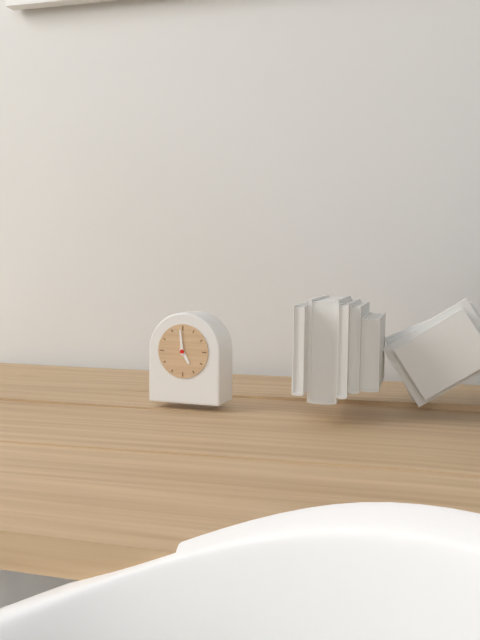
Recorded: {"hour": 4, "minute": 59}
